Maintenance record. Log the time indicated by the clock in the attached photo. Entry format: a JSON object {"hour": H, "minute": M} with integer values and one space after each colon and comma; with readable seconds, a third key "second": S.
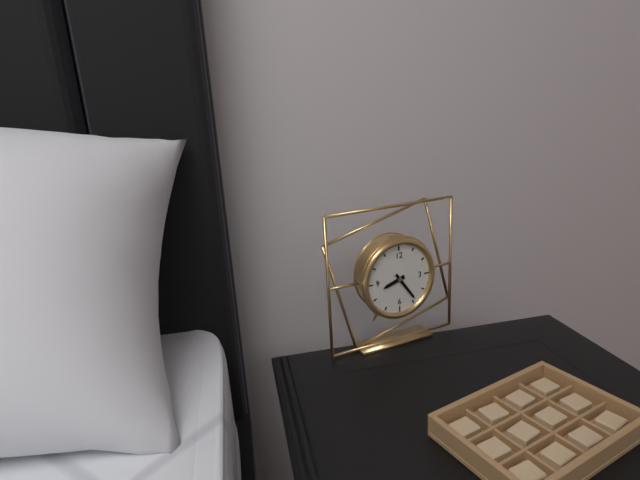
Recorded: {"hour": 8, "minute": 24}
